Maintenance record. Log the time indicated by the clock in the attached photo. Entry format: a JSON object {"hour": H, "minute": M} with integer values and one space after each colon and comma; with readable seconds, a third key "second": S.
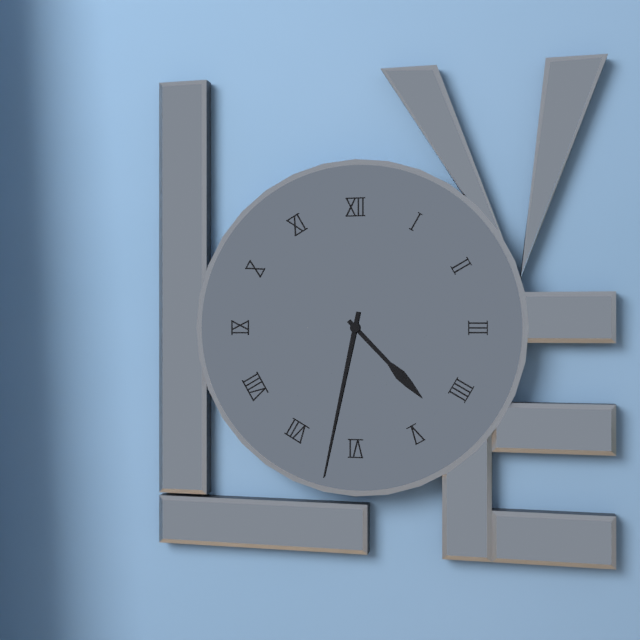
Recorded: {"hour": 4, "minute": 32}
